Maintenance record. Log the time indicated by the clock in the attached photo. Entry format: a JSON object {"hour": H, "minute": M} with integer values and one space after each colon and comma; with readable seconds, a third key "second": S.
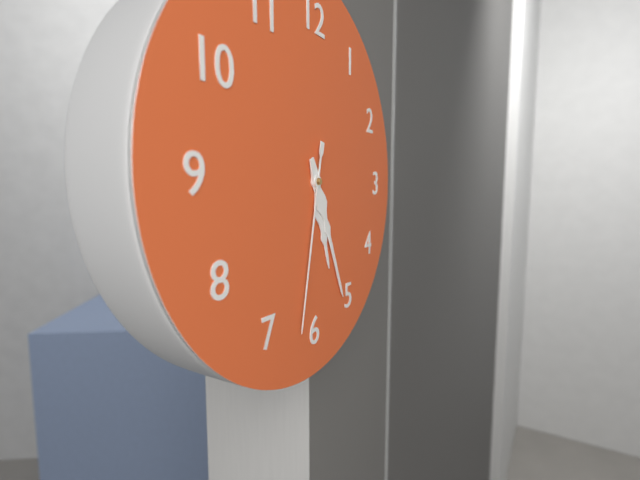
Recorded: {"hour": 5, "minute": 26, "second": 32}
